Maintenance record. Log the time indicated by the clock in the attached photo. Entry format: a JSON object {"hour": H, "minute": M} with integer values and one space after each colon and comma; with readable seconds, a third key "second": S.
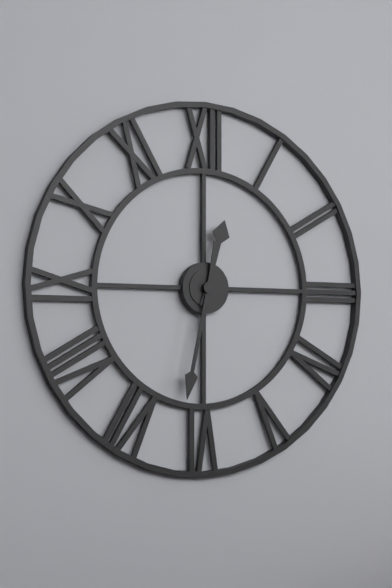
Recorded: {"hour": 12, "minute": 32}
